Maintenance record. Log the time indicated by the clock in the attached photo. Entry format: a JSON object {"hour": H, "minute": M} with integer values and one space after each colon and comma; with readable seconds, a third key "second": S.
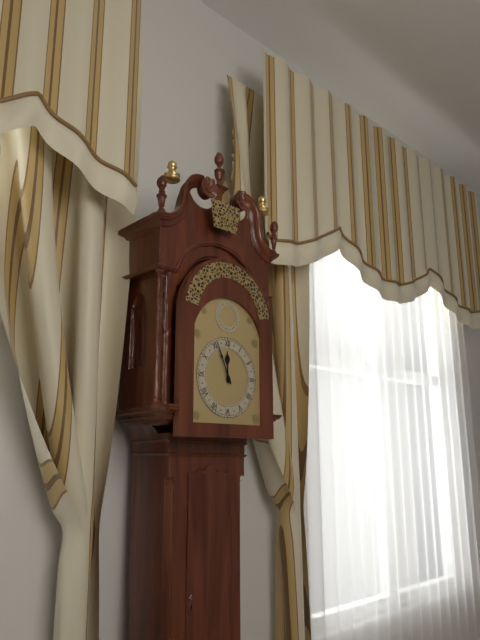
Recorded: {"hour": 11, "minute": 56}
